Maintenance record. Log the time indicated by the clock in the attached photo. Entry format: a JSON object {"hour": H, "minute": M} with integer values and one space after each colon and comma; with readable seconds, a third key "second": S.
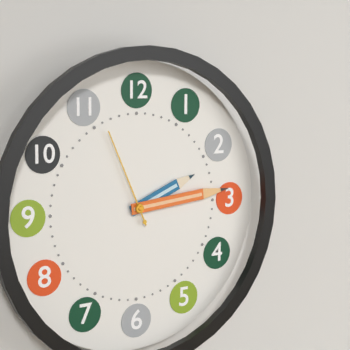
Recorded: {"hour": 2, "minute": 14, "second": 56}
